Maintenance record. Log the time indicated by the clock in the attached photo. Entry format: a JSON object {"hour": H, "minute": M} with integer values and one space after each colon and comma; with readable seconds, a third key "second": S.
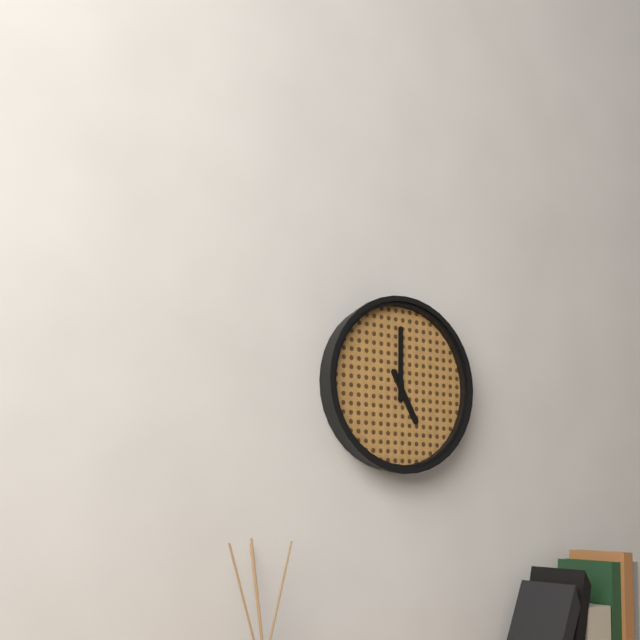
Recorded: {"hour": 5, "minute": 0}
